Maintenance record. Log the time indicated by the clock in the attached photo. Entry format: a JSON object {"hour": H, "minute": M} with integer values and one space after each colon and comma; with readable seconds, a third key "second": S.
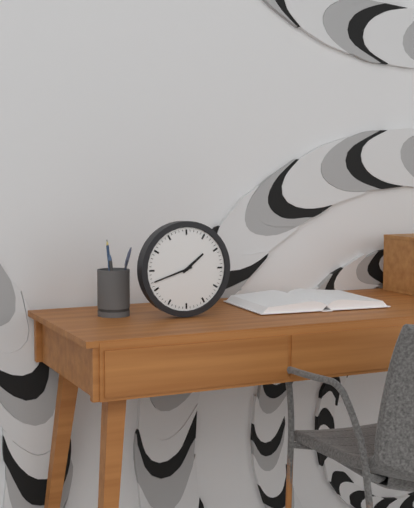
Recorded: {"hour": 1, "minute": 42}
